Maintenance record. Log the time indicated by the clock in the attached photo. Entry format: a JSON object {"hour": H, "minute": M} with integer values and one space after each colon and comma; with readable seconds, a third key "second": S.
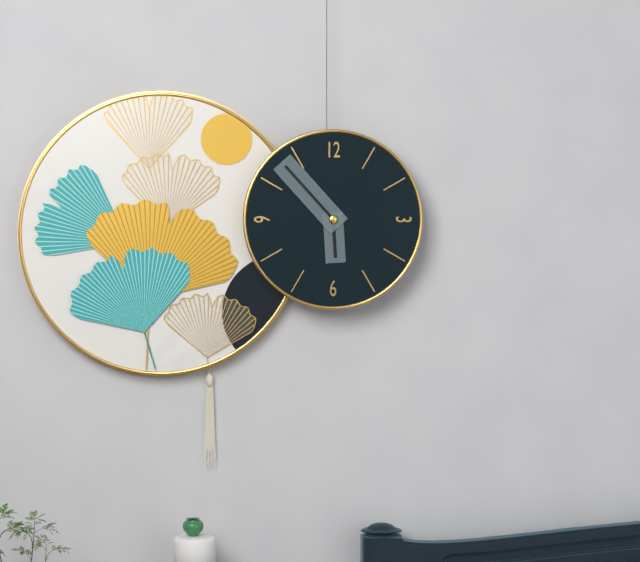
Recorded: {"hour": 5, "minute": 53}
